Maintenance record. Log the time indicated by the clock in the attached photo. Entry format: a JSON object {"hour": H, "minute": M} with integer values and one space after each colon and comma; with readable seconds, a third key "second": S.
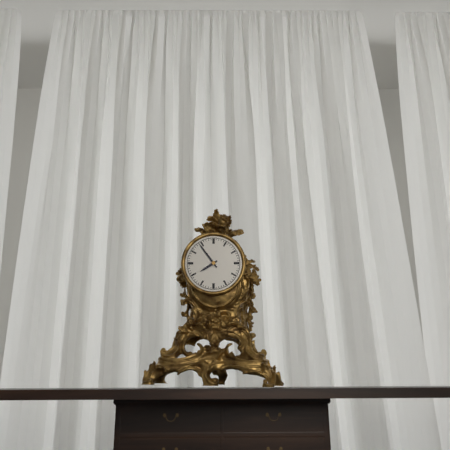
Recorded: {"hour": 7, "minute": 54}
